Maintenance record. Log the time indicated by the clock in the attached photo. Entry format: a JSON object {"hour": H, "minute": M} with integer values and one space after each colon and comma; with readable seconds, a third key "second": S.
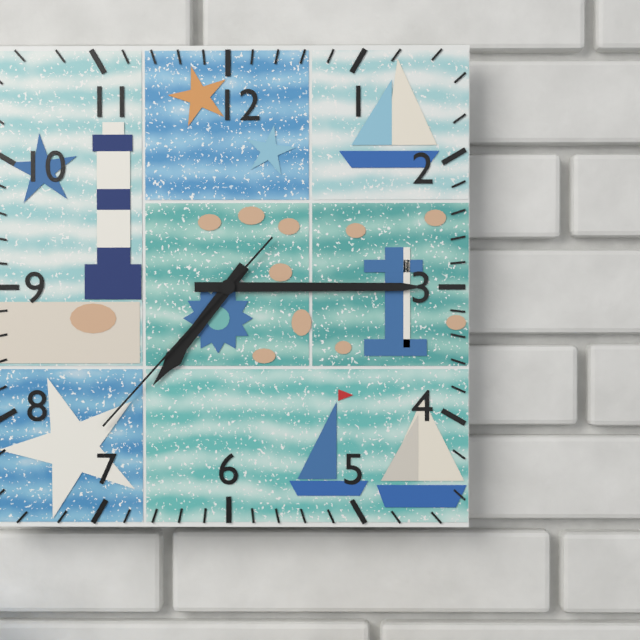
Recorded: {"hour": 7, "minute": 15, "second": 37}
